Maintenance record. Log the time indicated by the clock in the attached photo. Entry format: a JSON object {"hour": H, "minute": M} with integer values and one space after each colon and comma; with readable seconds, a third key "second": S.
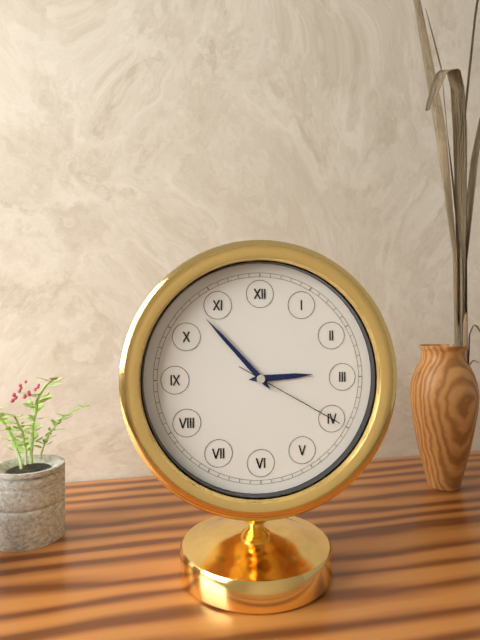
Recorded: {"hour": 2, "minute": 53, "second": 20}
